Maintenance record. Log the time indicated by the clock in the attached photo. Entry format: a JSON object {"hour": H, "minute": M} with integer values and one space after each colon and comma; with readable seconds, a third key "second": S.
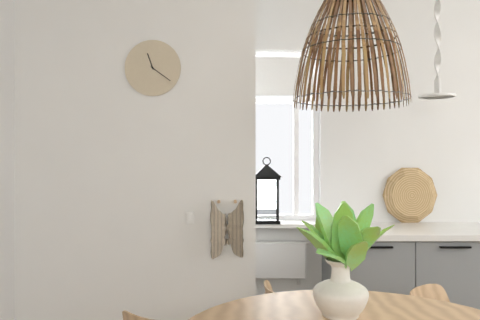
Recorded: {"hour": 11, "minute": 21}
